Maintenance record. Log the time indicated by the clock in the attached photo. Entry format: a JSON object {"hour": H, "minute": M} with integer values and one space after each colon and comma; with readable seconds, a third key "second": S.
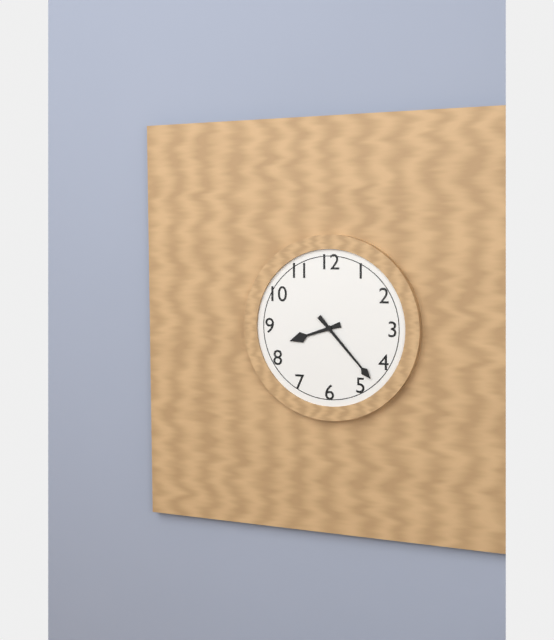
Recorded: {"hour": 8, "minute": 23}
